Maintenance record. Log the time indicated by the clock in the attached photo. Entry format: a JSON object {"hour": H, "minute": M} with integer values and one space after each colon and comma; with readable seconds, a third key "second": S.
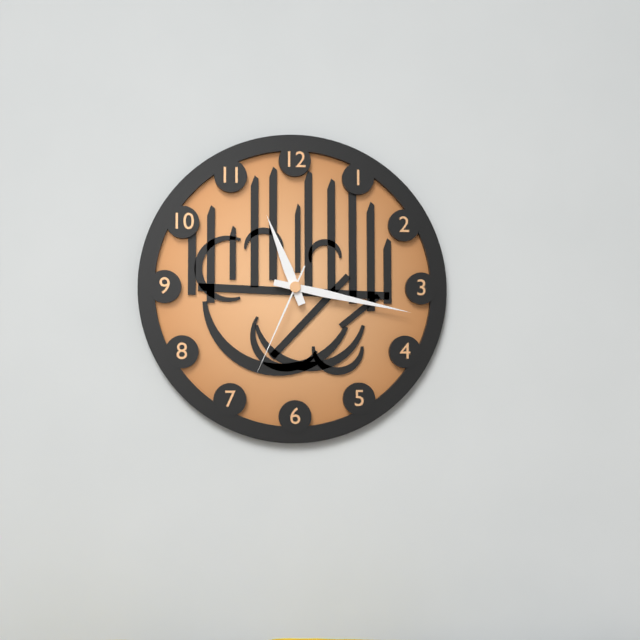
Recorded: {"hour": 11, "minute": 17, "second": 34}
